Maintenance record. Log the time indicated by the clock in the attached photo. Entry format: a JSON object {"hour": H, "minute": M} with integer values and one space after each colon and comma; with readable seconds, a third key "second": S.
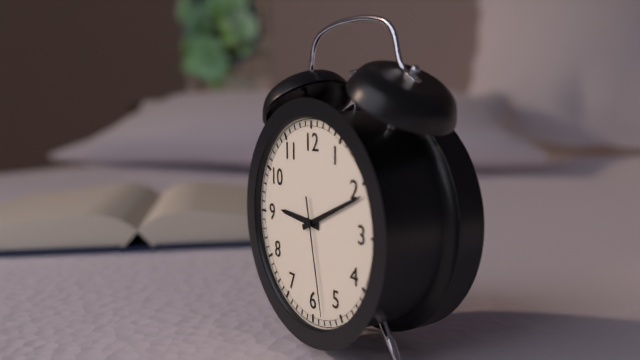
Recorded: {"hour": 9, "minute": 11, "second": 28}
